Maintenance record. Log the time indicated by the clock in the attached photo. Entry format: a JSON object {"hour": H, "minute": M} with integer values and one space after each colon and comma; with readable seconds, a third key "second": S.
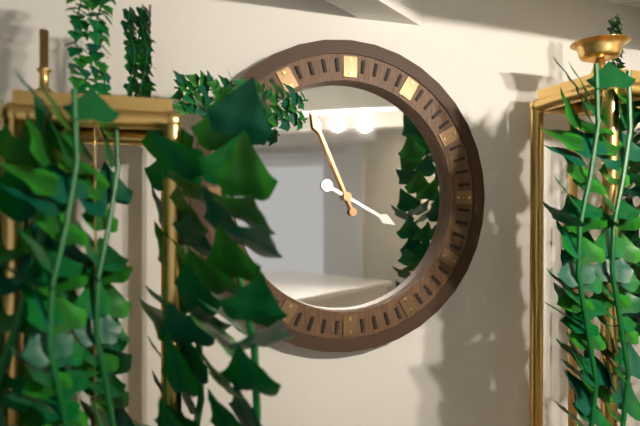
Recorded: {"hour": 3, "minute": 56}
